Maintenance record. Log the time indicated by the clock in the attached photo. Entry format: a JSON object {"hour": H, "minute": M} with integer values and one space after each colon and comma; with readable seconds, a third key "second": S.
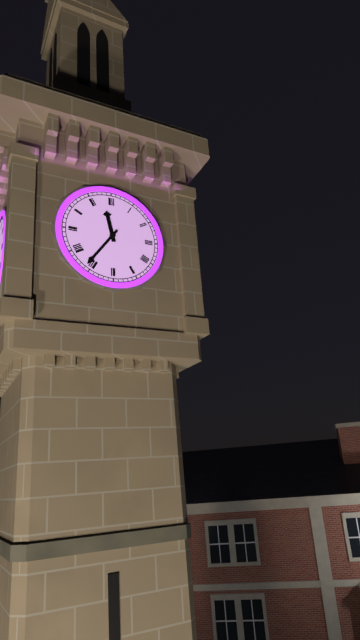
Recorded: {"hour": 11, "minute": 36}
